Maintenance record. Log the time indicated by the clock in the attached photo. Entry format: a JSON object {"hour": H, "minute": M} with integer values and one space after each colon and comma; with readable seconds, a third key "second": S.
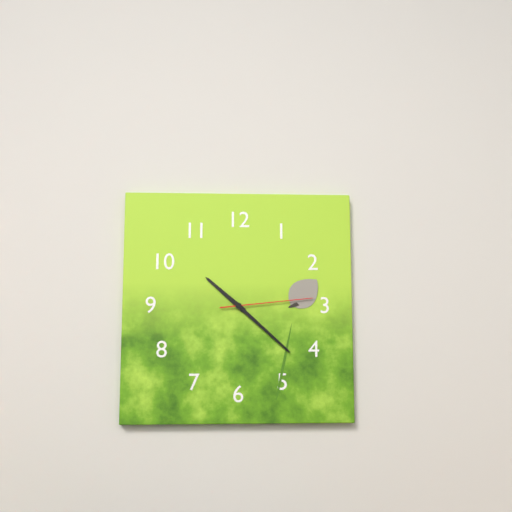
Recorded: {"hour": 10, "minute": 22, "second": 14}
